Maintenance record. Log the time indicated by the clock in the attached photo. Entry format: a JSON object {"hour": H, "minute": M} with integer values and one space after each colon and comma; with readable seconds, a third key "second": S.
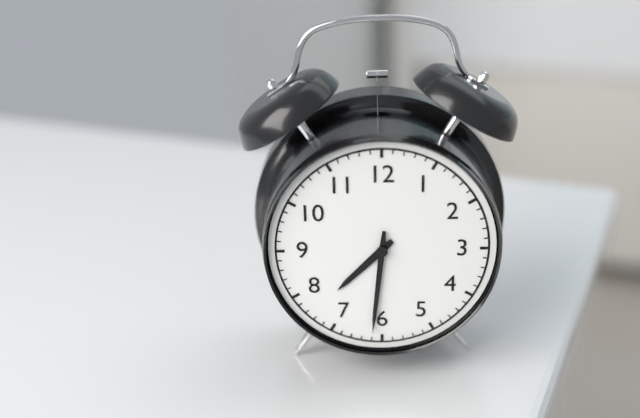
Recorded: {"hour": 7, "minute": 31}
